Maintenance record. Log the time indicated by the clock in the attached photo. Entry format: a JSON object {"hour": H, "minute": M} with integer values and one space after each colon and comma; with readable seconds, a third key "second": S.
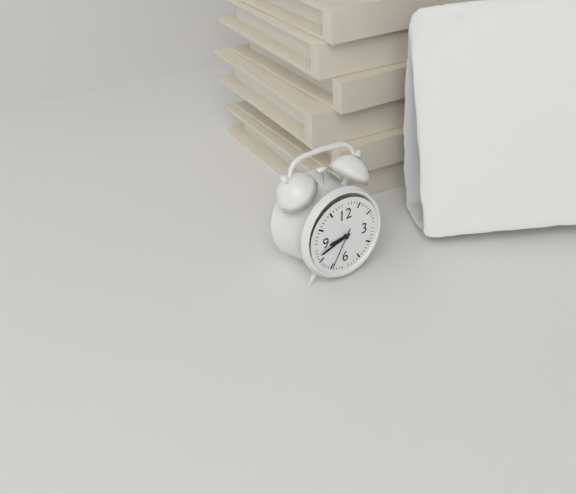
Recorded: {"hour": 8, "minute": 42}
